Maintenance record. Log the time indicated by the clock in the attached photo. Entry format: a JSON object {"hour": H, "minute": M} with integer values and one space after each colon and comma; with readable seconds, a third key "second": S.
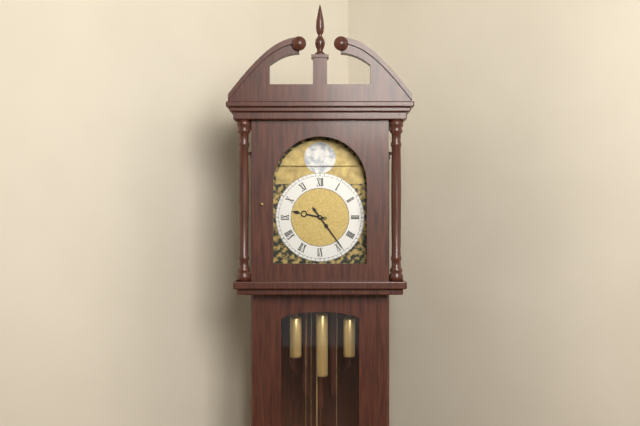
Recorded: {"hour": 9, "minute": 24}
